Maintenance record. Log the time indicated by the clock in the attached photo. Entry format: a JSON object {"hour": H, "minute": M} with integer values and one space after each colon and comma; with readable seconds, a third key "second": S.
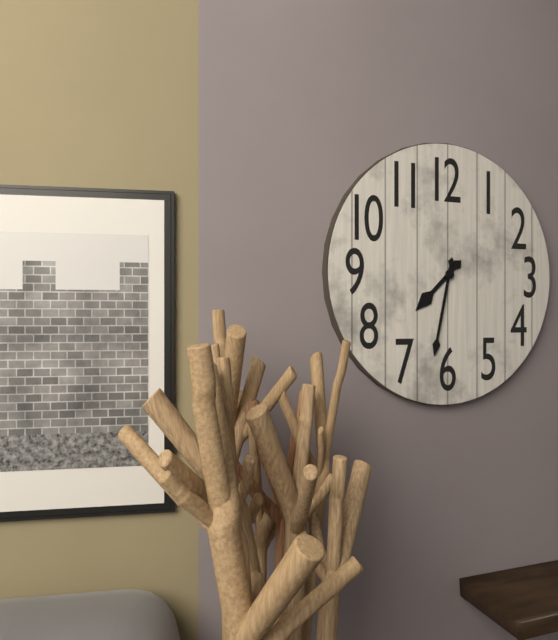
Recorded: {"hour": 7, "minute": 32}
